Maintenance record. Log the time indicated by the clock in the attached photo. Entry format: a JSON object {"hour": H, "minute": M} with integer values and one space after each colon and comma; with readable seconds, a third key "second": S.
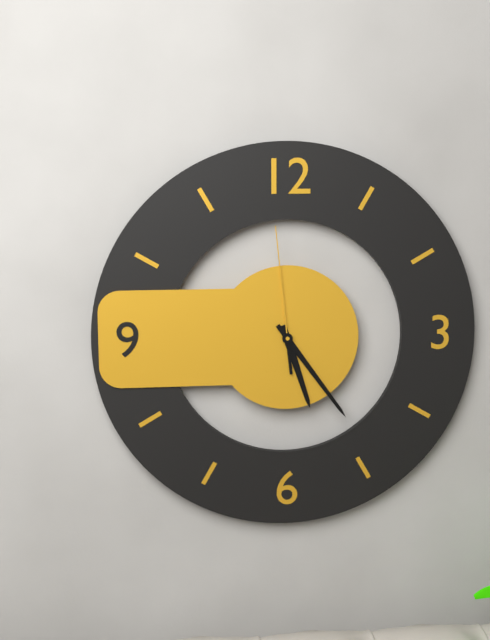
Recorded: {"hour": 5, "minute": 24, "second": 59}
